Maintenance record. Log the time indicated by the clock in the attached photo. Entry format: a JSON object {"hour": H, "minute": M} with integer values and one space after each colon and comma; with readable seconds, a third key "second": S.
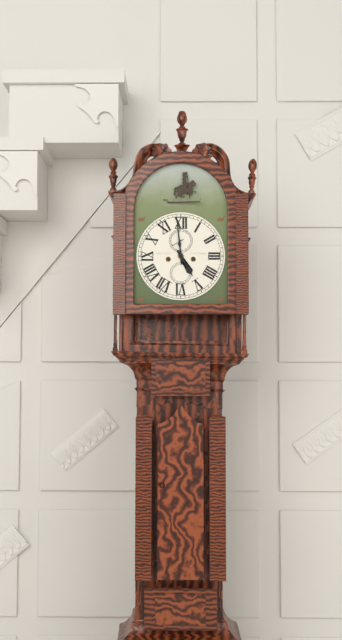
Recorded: {"hour": 4, "minute": 59}
